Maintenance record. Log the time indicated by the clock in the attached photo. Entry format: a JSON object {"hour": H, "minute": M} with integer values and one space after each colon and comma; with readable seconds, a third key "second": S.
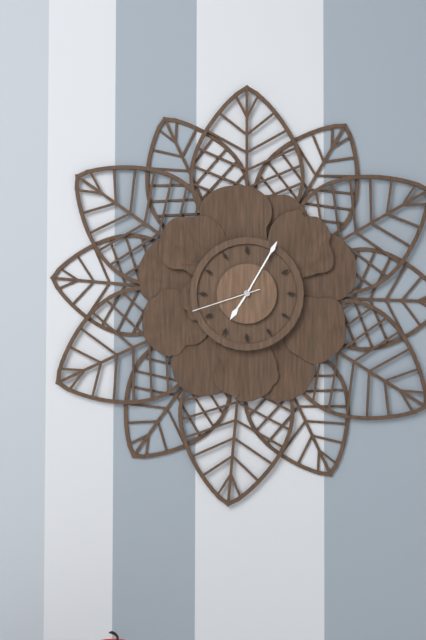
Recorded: {"hour": 7, "minute": 5, "second": 42}
